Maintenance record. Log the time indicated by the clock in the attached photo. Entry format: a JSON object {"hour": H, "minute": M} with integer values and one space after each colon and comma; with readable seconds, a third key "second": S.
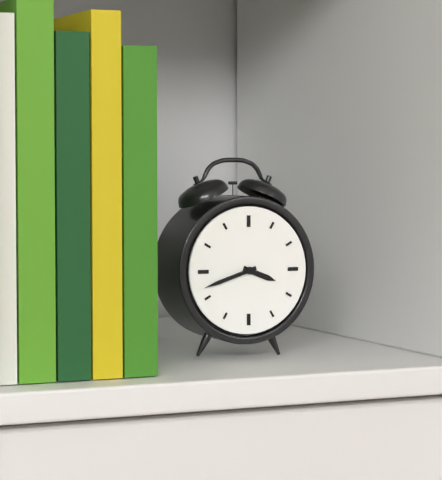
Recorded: {"hour": 3, "minute": 42}
